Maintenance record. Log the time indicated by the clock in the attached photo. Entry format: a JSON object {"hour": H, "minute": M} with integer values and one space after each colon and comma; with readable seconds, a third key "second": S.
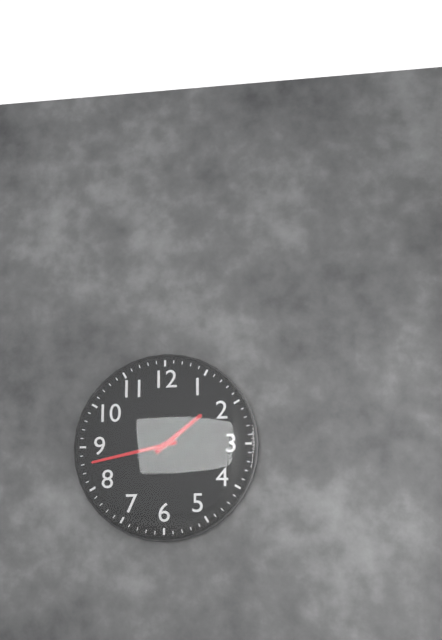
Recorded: {"hour": 1, "minute": 43}
